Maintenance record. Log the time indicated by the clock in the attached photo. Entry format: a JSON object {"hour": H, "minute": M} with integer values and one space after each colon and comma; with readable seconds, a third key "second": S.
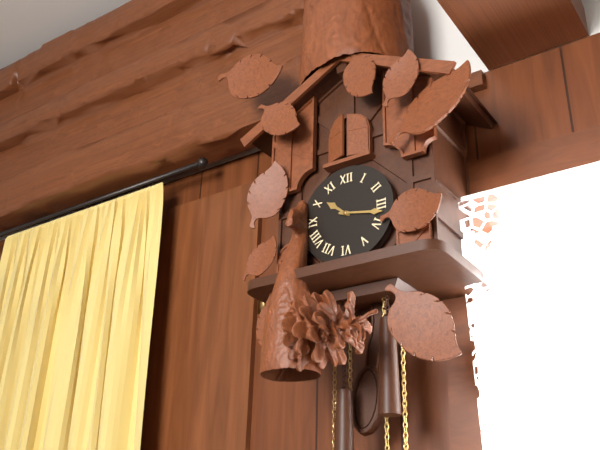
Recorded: {"hour": 10, "minute": 17}
